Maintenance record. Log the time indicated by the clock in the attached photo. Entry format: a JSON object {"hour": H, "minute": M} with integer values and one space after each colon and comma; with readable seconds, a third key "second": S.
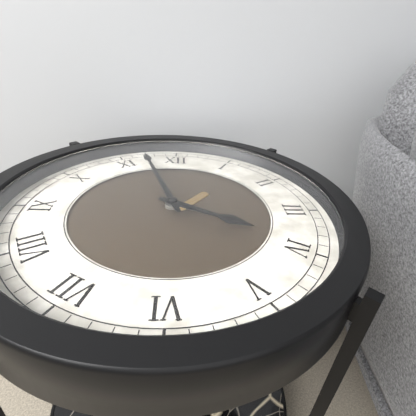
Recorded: {"hour": 3, "minute": 57}
